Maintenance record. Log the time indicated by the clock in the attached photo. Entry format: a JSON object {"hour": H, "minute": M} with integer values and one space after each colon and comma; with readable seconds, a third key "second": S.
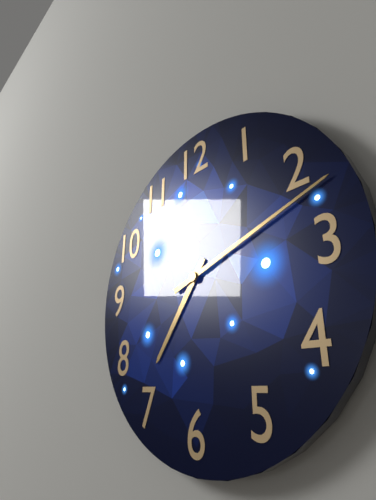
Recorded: {"hour": 7, "minute": 12}
